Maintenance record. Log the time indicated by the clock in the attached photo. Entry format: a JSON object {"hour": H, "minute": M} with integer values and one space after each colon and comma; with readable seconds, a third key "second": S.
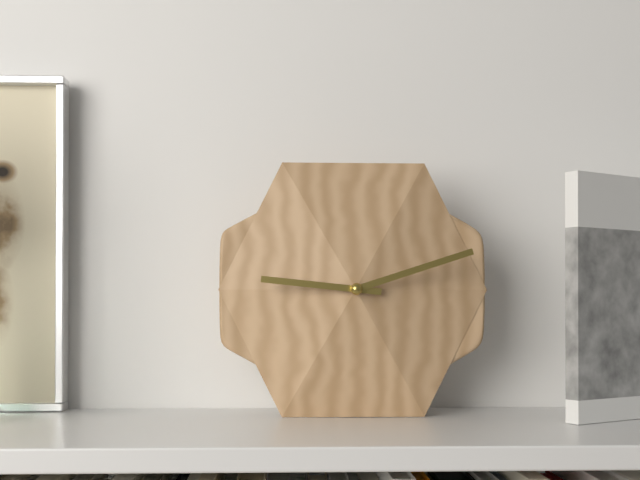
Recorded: {"hour": 9, "minute": 12}
